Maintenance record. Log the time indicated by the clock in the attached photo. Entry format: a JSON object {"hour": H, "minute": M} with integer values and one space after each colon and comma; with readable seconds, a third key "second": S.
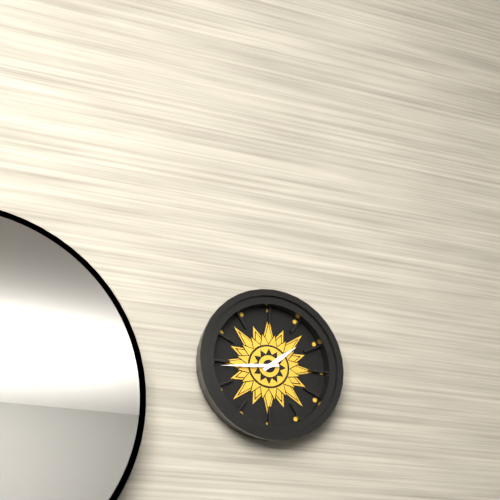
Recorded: {"hour": 1, "minute": 44}
